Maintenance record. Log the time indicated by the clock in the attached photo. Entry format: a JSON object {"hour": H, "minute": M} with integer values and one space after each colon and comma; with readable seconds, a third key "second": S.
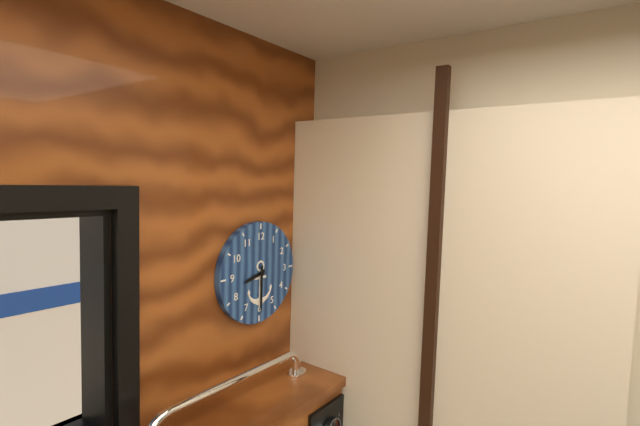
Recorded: {"hour": 8, "minute": 30}
